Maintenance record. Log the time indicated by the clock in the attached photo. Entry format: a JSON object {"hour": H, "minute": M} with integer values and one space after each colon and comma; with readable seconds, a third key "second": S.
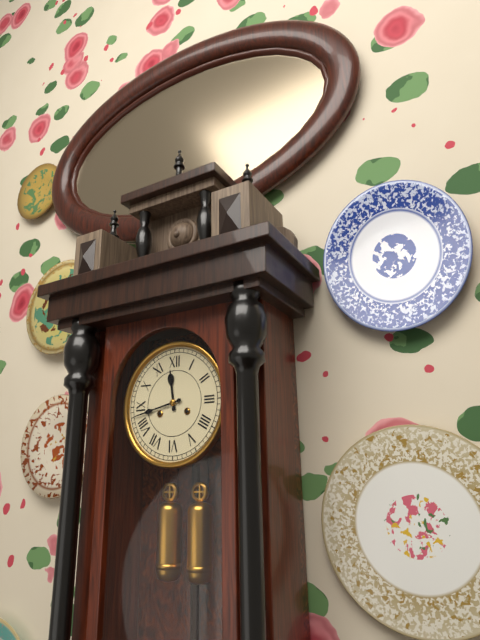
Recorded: {"hour": 11, "minute": 43}
